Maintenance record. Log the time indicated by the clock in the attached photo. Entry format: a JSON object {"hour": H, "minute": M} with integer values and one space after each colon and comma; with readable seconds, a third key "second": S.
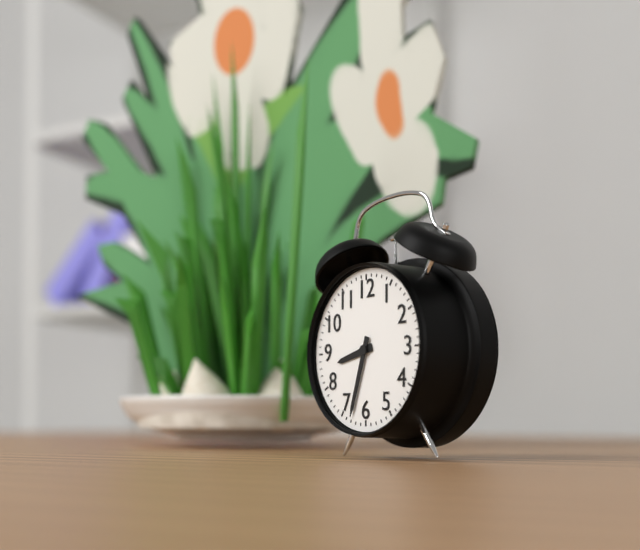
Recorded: {"hour": 8, "minute": 33}
